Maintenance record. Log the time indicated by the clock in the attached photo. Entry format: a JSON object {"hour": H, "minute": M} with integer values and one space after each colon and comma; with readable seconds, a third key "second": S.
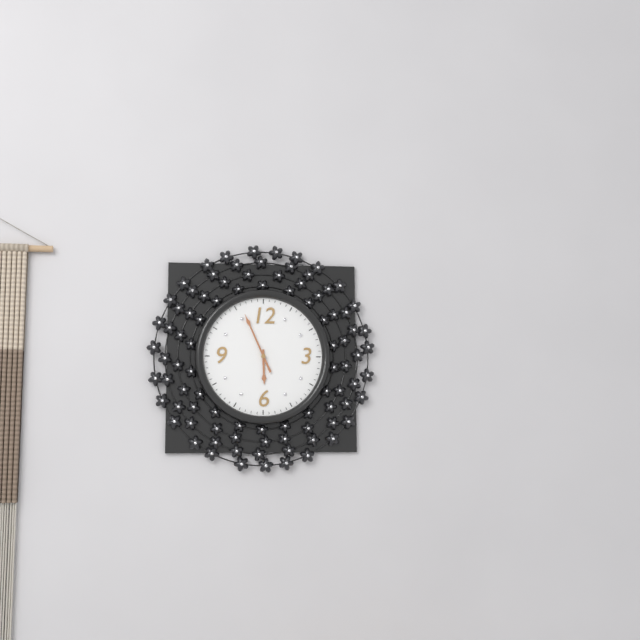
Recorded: {"hour": 5, "minute": 56}
